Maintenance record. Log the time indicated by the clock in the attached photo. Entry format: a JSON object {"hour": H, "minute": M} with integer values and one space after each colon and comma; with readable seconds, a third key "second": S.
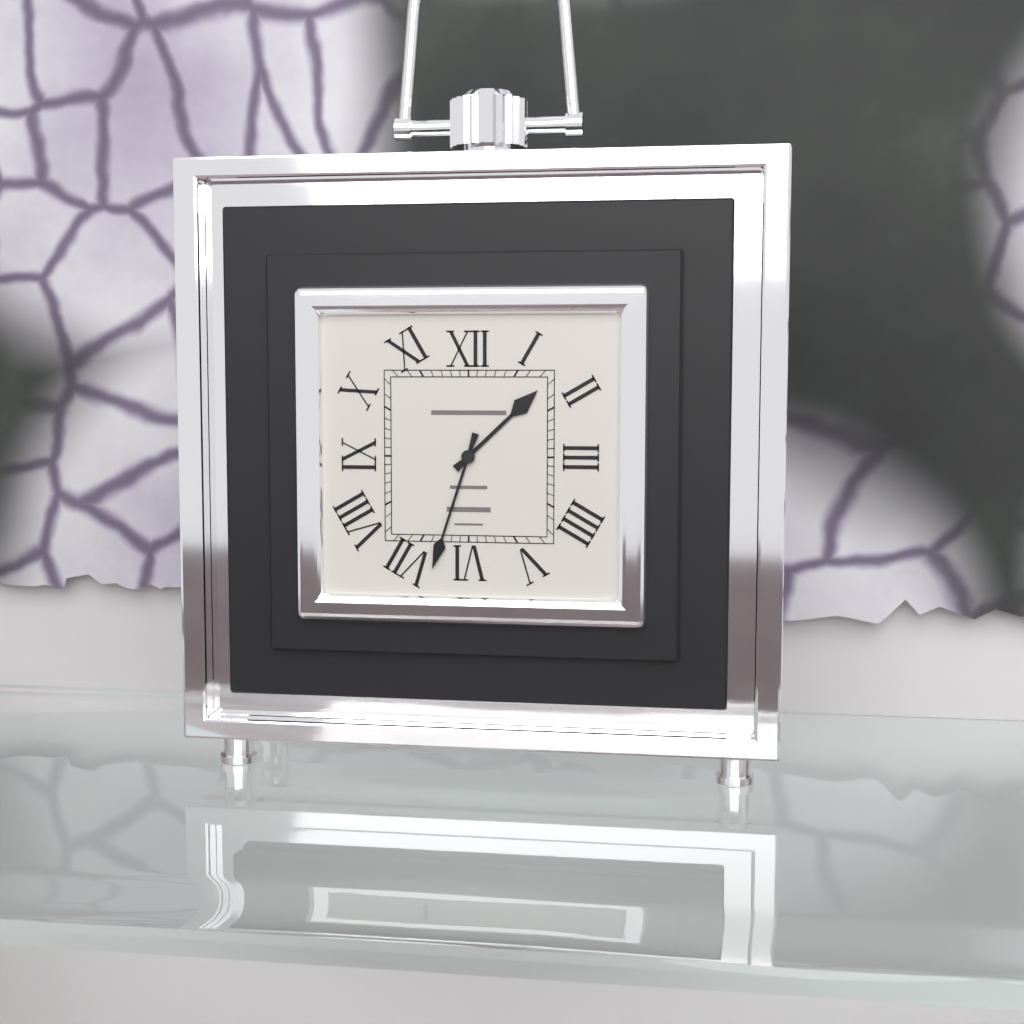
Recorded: {"hour": 1, "minute": 33}
